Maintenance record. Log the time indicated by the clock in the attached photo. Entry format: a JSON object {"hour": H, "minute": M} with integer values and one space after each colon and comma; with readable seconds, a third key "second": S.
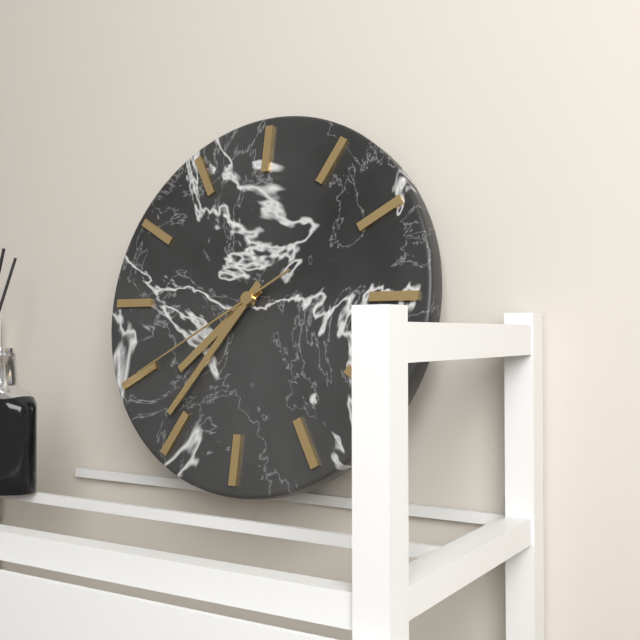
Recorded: {"hour": 7, "minute": 36, "second": 40}
